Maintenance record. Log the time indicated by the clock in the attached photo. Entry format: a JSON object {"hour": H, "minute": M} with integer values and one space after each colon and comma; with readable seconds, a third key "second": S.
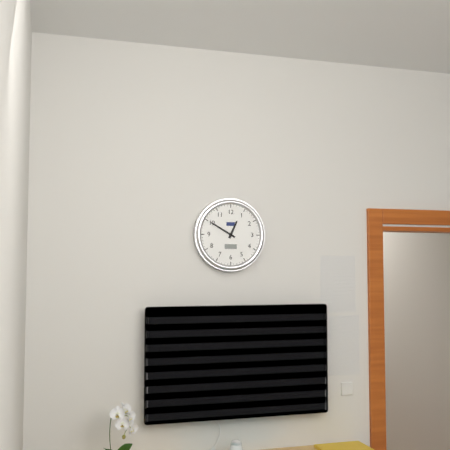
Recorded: {"hour": 12, "minute": 50}
